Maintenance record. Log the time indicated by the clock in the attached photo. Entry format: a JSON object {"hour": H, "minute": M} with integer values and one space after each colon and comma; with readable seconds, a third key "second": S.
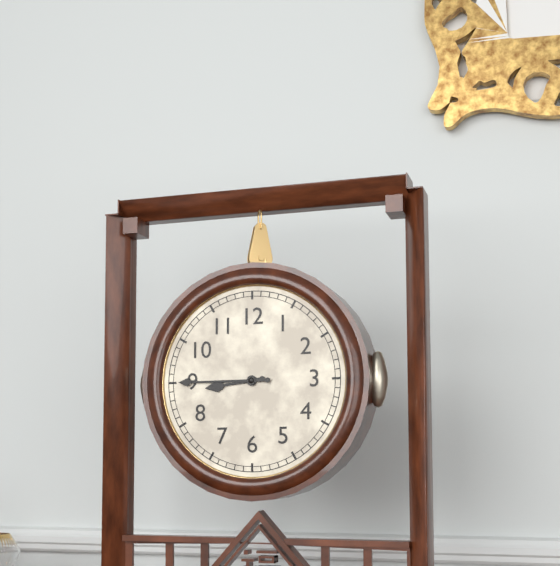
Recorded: {"hour": 8, "minute": 45}
